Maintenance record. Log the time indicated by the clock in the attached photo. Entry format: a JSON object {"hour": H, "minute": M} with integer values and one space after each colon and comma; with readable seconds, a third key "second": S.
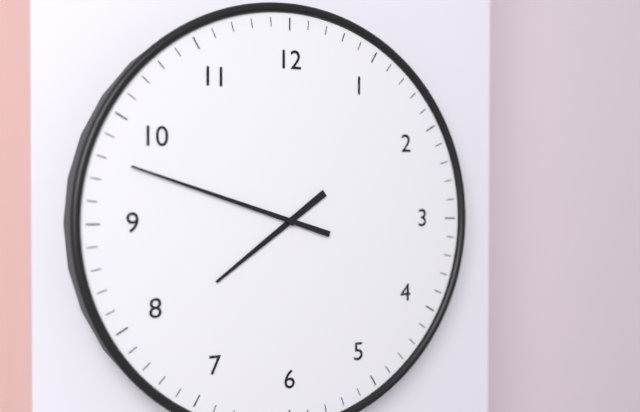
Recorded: {"hour": 7, "minute": 48}
